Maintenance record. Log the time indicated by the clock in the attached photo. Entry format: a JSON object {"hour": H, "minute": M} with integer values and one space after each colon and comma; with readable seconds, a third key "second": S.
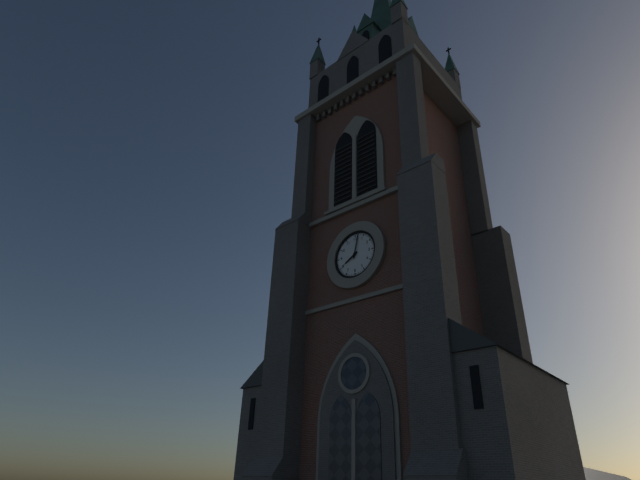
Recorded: {"hour": 8, "minute": 2}
